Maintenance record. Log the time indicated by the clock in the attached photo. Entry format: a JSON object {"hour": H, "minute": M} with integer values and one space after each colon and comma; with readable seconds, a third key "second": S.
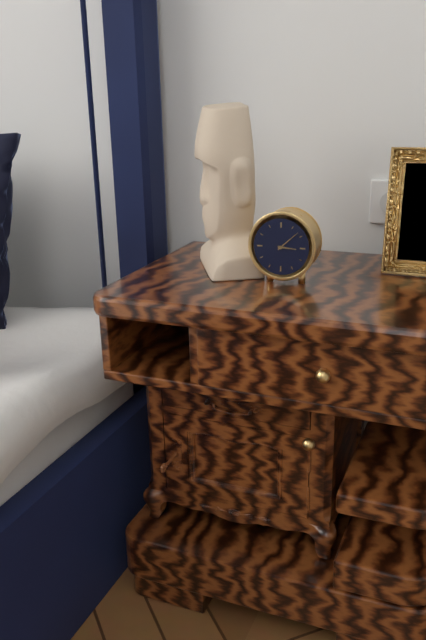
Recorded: {"hour": 3, "minute": 8}
